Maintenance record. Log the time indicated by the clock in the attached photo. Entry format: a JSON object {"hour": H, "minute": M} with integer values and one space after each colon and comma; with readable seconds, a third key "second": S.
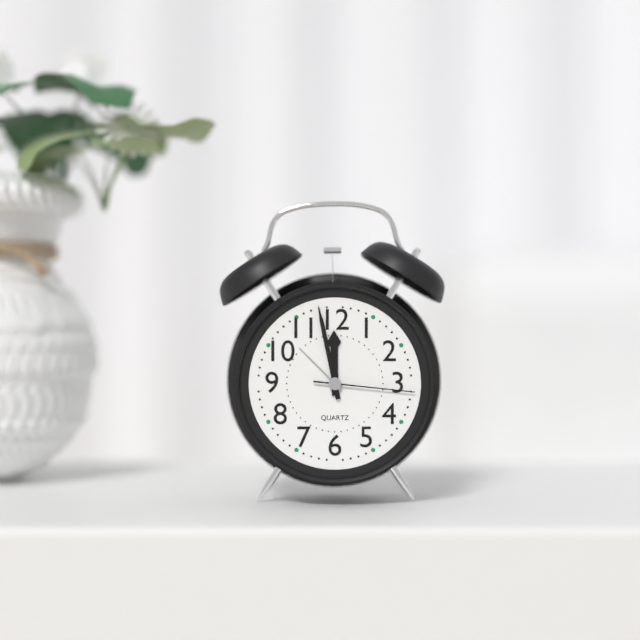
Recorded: {"hour": 11, "minute": 58, "second": 16}
